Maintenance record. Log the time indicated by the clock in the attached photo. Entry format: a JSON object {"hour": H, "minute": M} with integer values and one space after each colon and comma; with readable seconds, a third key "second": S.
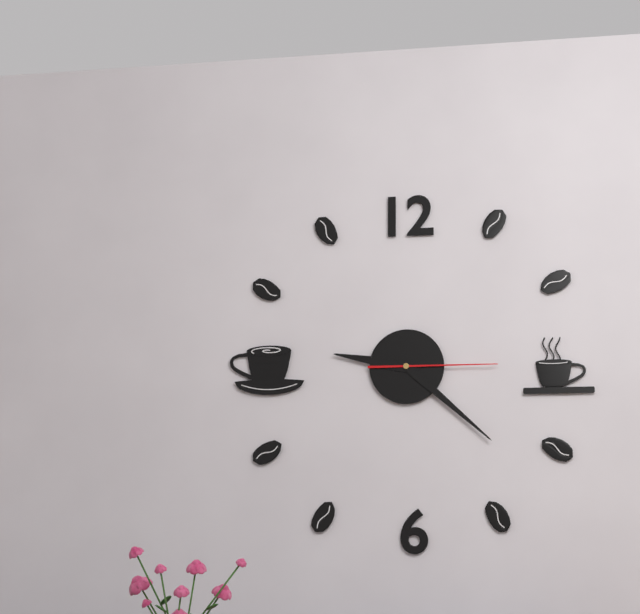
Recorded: {"hour": 9, "minute": 22, "second": 15}
